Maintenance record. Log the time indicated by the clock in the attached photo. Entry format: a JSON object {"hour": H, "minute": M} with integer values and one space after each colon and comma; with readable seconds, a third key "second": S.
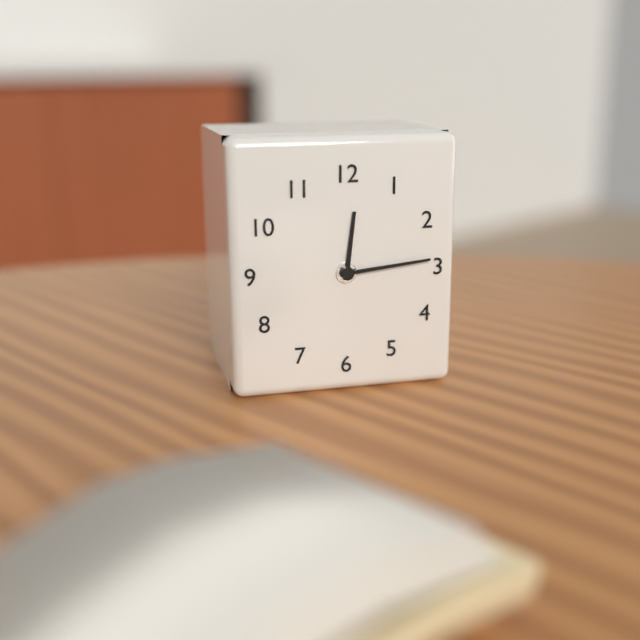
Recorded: {"hour": 12, "minute": 14}
